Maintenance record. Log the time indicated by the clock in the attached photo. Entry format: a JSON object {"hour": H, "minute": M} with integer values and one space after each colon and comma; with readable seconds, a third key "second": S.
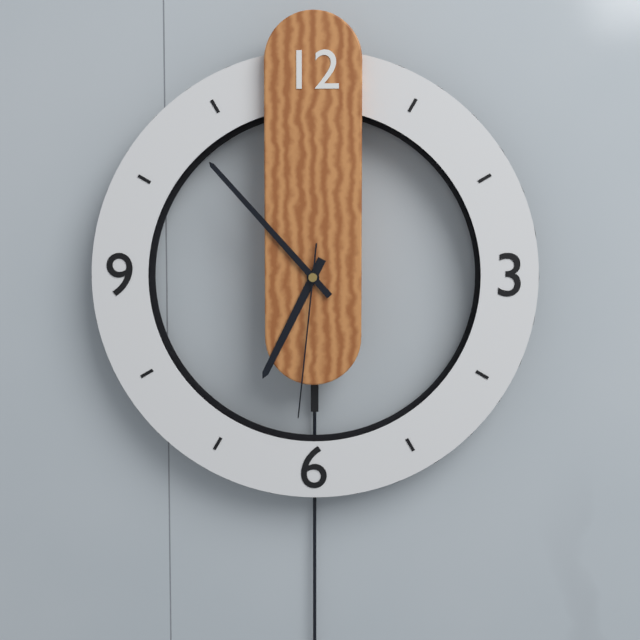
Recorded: {"hour": 6, "minute": 53, "second": 31}
